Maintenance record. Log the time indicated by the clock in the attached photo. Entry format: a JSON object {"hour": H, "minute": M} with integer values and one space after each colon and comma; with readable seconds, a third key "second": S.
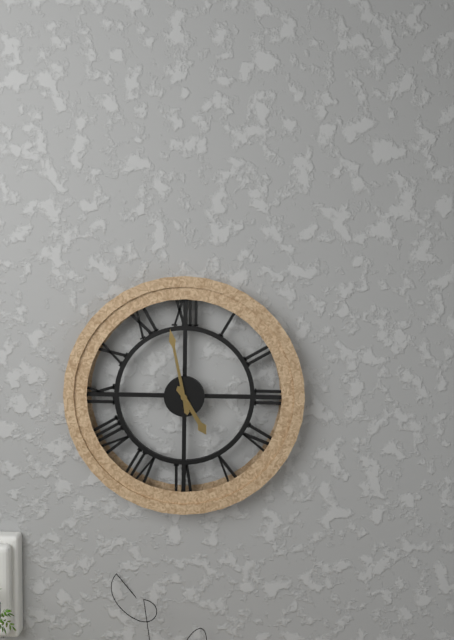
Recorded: {"hour": 4, "minute": 58}
